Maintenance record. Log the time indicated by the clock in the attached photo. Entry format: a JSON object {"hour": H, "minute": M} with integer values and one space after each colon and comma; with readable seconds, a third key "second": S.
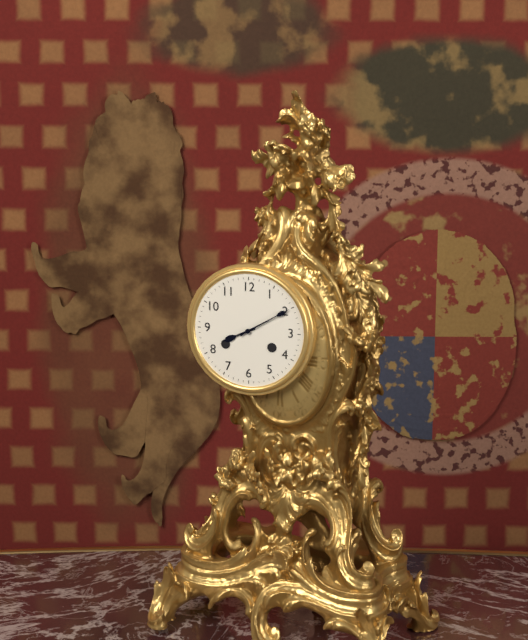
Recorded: {"hour": 8, "minute": 10}
